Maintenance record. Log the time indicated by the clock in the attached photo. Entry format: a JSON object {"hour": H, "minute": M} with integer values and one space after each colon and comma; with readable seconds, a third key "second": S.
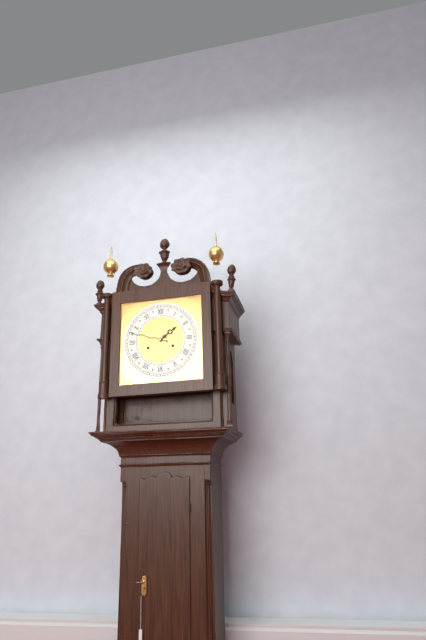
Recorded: {"hour": 1, "minute": 48}
